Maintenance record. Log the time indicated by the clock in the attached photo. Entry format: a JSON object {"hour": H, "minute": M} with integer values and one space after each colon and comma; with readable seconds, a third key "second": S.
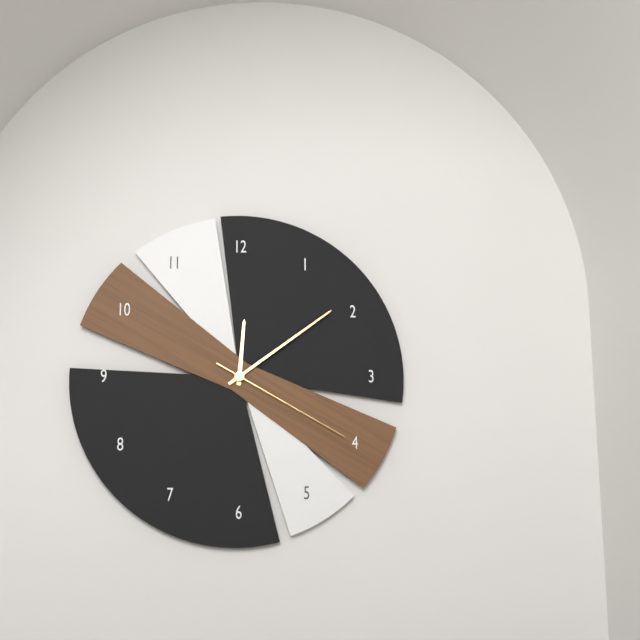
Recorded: {"hour": 12, "minute": 9, "second": 20}
